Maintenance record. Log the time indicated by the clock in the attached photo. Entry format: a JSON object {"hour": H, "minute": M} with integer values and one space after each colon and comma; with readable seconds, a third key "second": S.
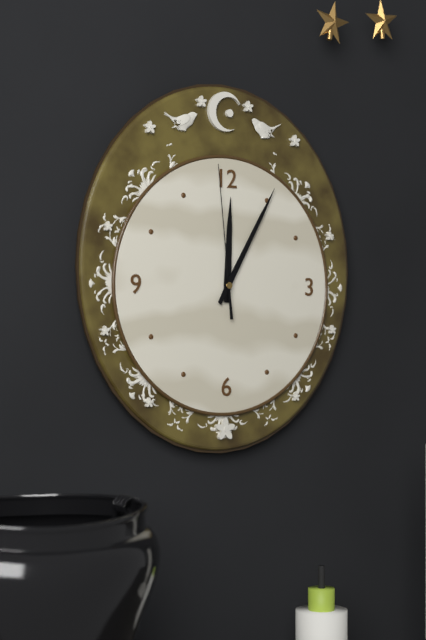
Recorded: {"hour": 12, "minute": 5, "second": 59}
